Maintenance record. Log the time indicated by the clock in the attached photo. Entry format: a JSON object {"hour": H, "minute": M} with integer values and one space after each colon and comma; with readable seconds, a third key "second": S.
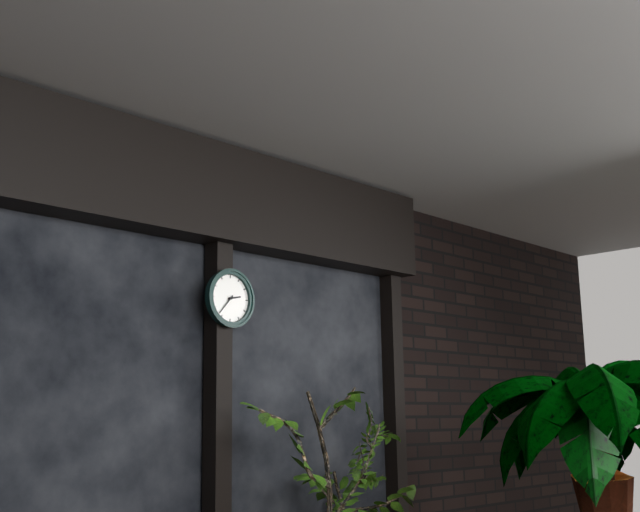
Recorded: {"hour": 2, "minute": 37}
